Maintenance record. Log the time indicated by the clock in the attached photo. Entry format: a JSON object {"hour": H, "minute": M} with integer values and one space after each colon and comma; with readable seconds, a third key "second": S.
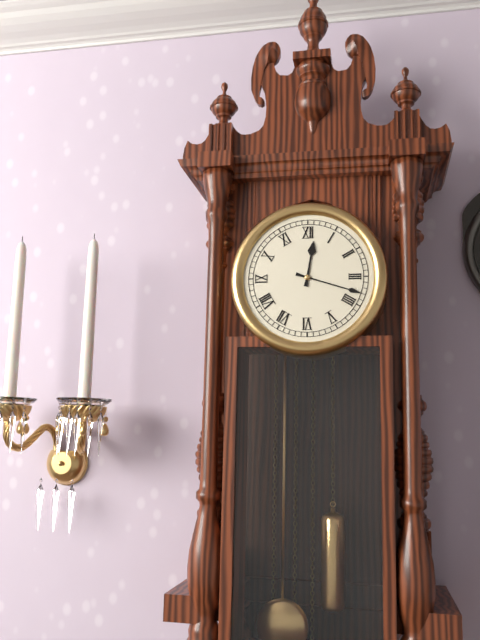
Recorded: {"hour": 12, "minute": 18}
